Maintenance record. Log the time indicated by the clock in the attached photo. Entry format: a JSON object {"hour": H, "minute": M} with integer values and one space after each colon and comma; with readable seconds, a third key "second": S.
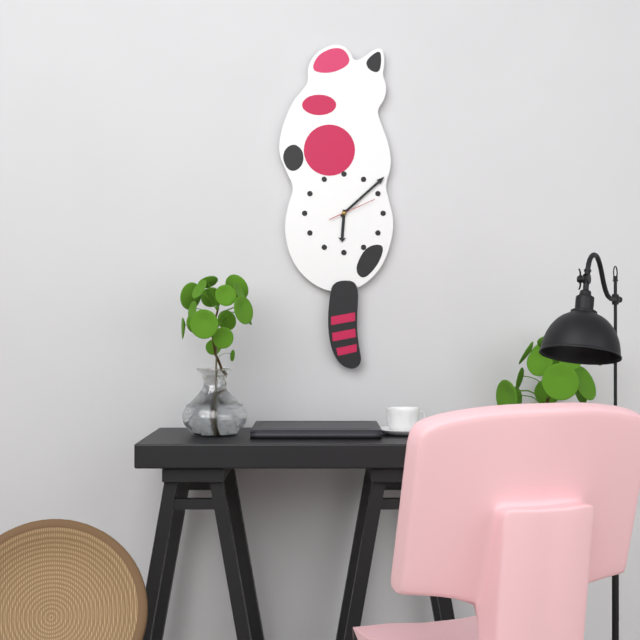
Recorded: {"hour": 6, "minute": 8}
